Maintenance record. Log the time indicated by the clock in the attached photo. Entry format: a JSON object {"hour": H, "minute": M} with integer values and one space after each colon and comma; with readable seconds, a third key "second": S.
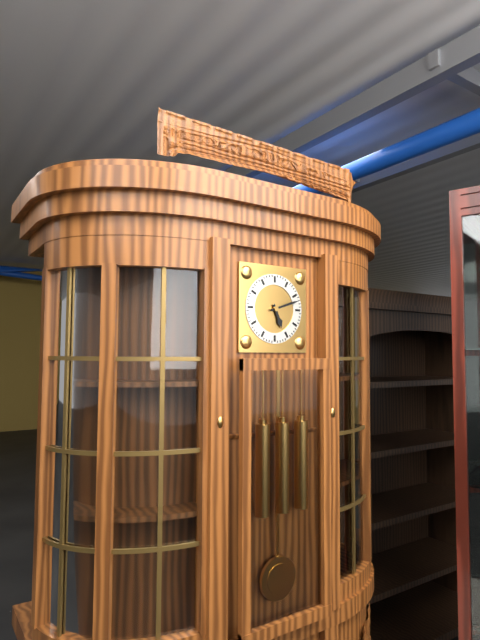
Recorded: {"hour": 5, "minute": 12}
